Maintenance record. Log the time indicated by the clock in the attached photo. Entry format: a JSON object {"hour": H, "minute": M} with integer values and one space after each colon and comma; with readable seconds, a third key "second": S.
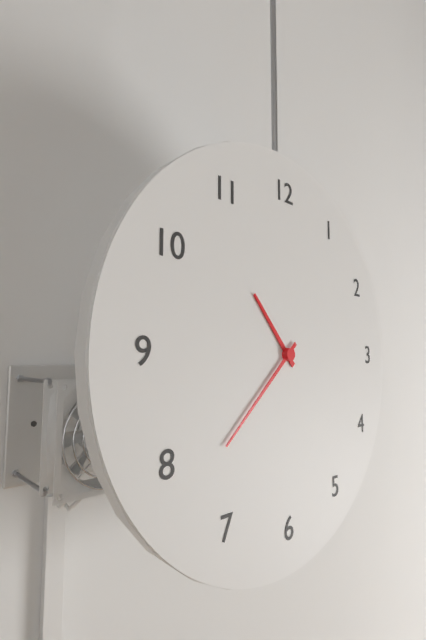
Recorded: {"hour": 10, "minute": 38}
